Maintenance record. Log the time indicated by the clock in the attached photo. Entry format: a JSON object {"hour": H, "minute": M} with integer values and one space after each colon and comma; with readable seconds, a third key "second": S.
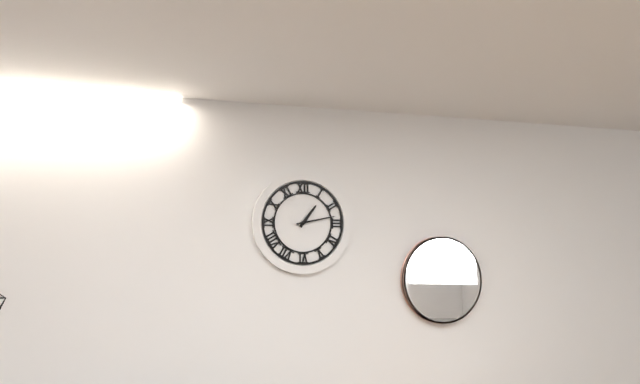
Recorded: {"hour": 1, "minute": 13}
